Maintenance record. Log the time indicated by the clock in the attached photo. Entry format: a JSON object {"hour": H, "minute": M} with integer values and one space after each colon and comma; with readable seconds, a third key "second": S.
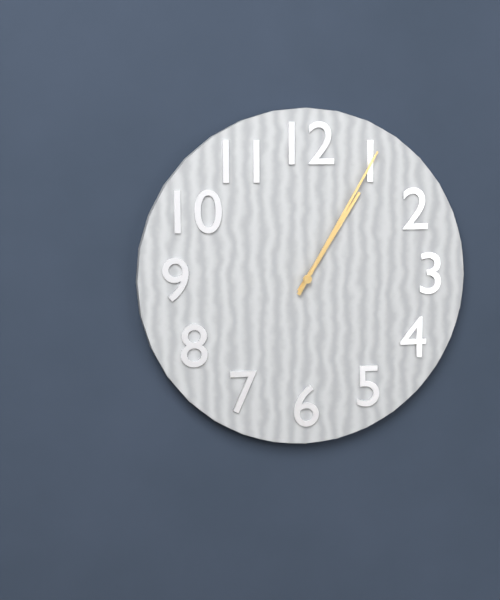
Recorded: {"hour": 1, "minute": 5}
